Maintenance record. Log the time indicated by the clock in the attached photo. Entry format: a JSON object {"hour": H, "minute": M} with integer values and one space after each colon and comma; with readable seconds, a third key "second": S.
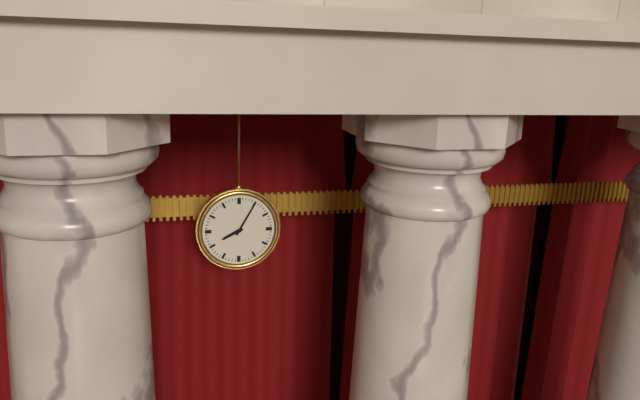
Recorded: {"hour": 8, "minute": 5}
